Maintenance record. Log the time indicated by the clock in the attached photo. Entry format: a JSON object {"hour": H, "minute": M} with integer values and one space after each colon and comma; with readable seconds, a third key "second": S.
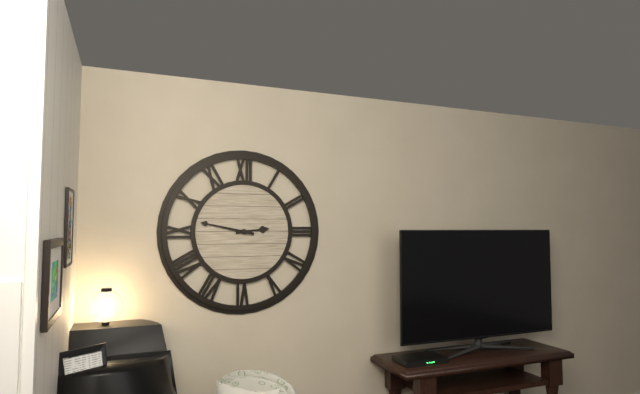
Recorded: {"hour": 2, "minute": 47}
